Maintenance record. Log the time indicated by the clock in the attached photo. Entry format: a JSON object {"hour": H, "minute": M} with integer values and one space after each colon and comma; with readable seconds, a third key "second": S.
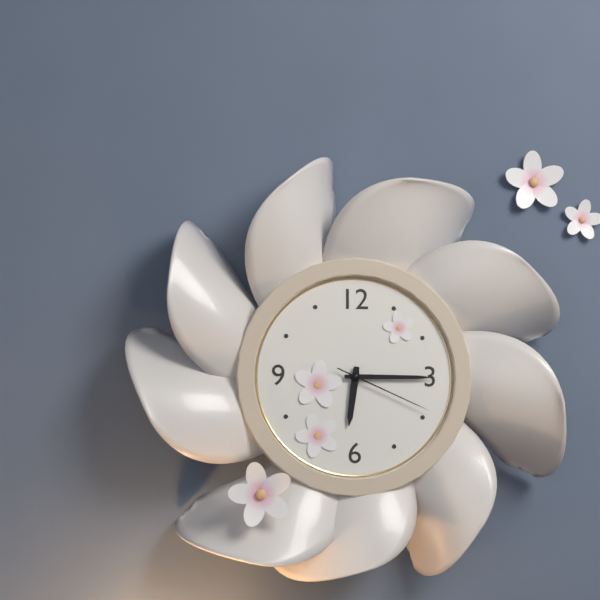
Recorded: {"hour": 6, "minute": 15, "second": 19}
